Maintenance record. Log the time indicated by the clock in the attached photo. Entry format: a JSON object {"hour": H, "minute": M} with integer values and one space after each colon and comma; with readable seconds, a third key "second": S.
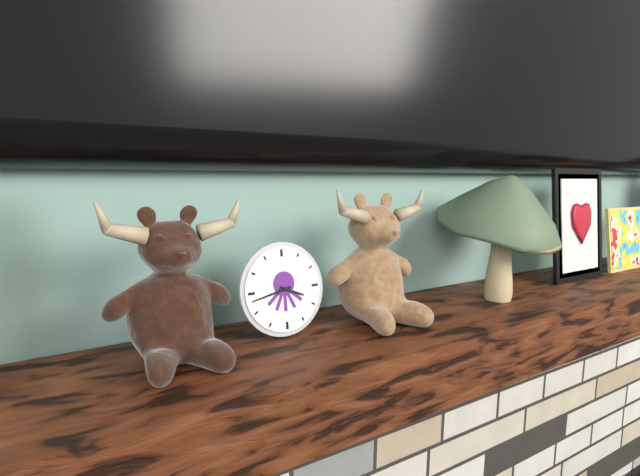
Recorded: {"hour": 3, "minute": 43}
